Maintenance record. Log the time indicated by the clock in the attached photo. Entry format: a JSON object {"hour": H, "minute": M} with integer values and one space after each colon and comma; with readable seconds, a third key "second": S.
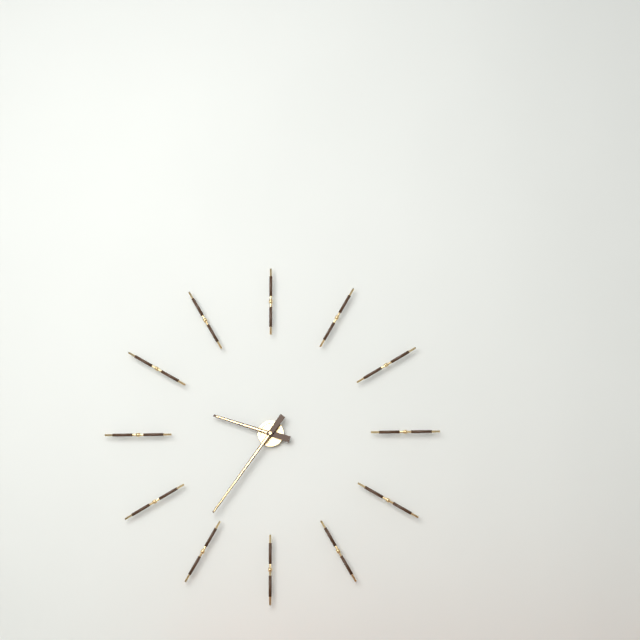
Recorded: {"hour": 9, "minute": 36}
